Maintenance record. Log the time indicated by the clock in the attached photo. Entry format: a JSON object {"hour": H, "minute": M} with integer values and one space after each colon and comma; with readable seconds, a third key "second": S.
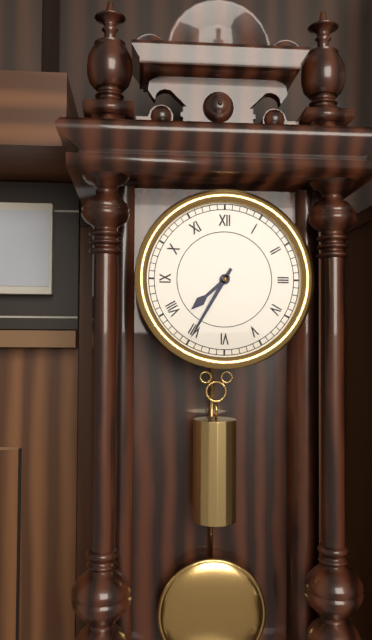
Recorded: {"hour": 7, "minute": 35}
